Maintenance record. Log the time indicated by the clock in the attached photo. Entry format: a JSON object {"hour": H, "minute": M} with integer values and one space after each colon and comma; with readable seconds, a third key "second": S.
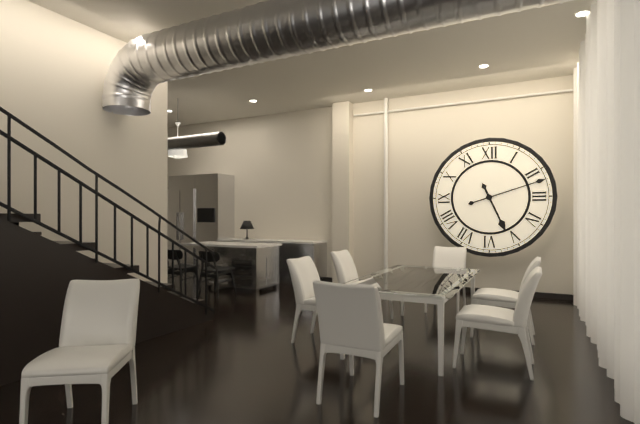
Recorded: {"hour": 5, "minute": 12}
